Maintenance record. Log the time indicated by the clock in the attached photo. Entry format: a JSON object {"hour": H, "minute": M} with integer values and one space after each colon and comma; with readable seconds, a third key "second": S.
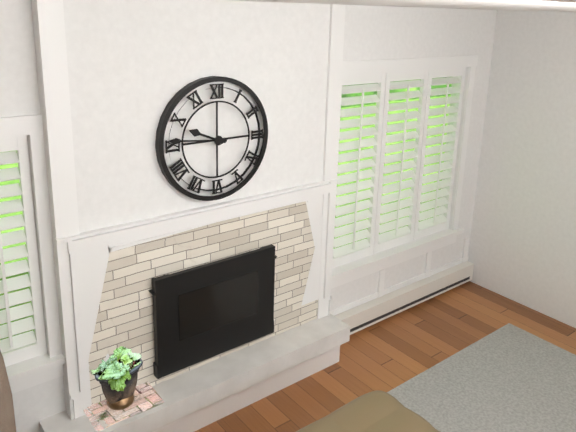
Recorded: {"hour": 9, "minute": 46}
